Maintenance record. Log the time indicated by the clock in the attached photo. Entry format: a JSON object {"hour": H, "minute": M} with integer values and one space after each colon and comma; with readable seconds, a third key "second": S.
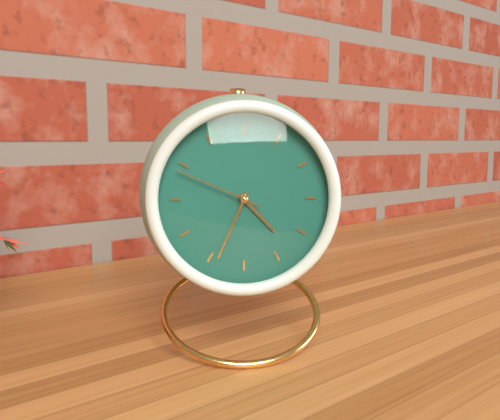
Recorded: {"hour": 4, "minute": 34, "second": 49}
